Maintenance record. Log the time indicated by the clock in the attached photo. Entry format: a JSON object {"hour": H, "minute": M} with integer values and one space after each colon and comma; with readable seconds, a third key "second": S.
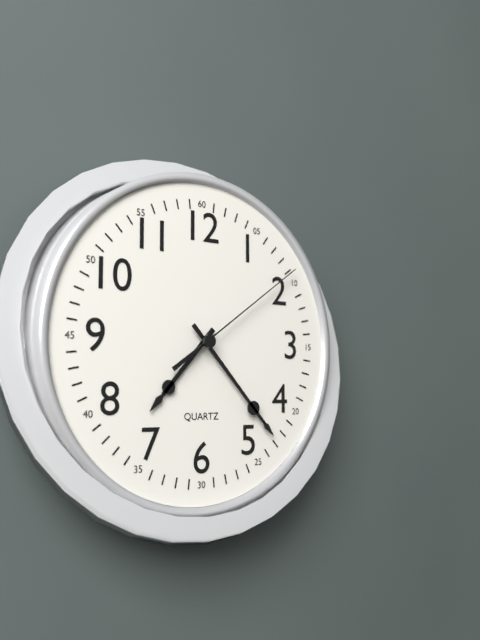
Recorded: {"hour": 7, "minute": 23, "second": 9}
